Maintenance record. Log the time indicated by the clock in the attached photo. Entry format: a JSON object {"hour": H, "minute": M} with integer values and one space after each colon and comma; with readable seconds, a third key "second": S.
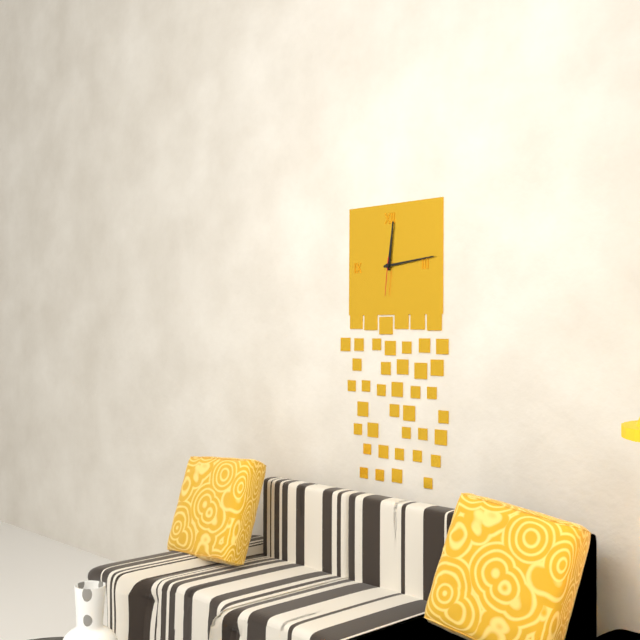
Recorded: {"hour": 12, "minute": 14}
